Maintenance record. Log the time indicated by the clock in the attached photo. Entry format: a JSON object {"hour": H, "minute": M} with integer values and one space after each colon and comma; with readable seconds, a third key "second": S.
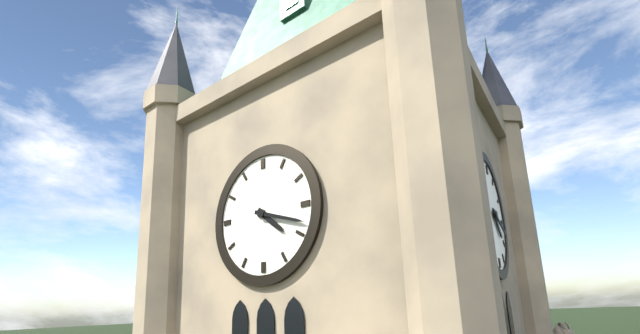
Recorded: {"hour": 4, "minute": 18}
